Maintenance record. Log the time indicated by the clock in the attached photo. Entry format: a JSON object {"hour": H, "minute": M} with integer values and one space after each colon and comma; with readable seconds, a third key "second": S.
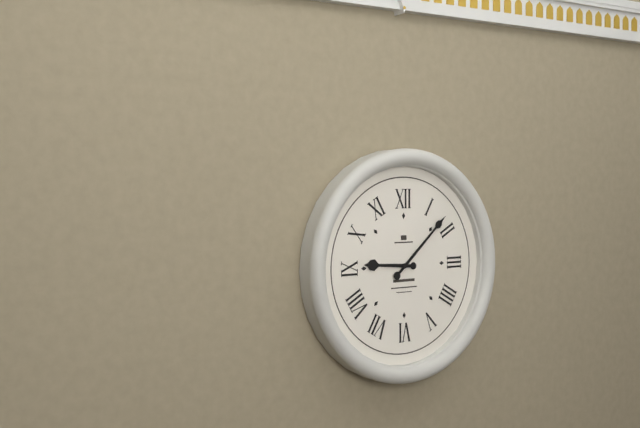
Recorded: {"hour": 9, "minute": 8}
